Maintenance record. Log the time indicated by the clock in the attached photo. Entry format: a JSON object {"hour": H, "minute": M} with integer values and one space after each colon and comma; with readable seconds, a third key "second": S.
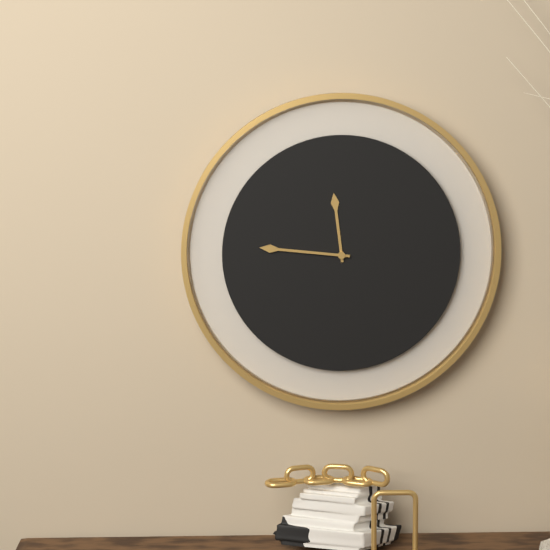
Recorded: {"hour": 11, "minute": 46}
